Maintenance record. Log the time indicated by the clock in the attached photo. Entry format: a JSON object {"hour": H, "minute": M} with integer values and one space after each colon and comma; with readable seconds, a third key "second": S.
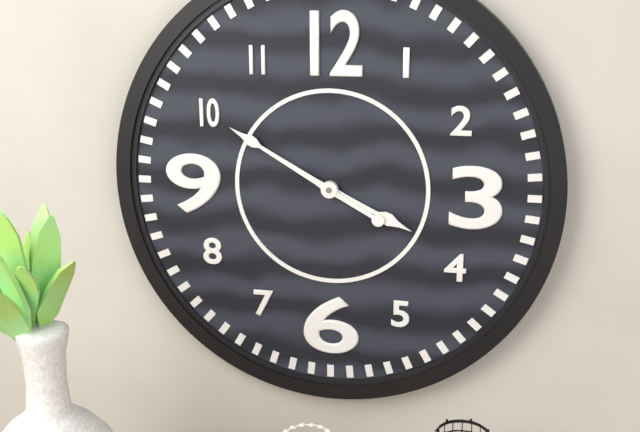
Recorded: {"hour": 3, "minute": 50}
